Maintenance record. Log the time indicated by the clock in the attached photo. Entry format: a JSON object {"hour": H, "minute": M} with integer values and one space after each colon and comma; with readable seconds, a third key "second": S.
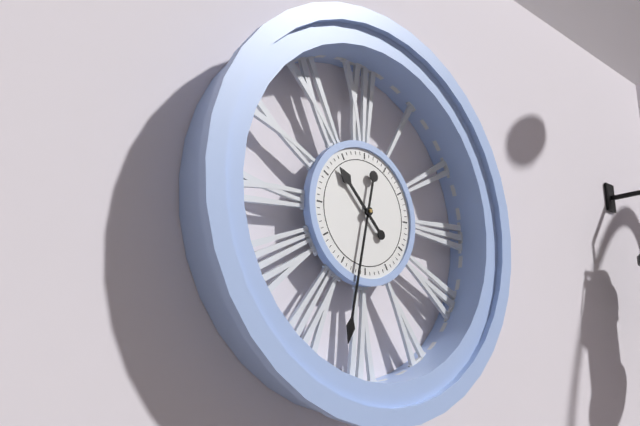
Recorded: {"hour": 10, "minute": 32}
